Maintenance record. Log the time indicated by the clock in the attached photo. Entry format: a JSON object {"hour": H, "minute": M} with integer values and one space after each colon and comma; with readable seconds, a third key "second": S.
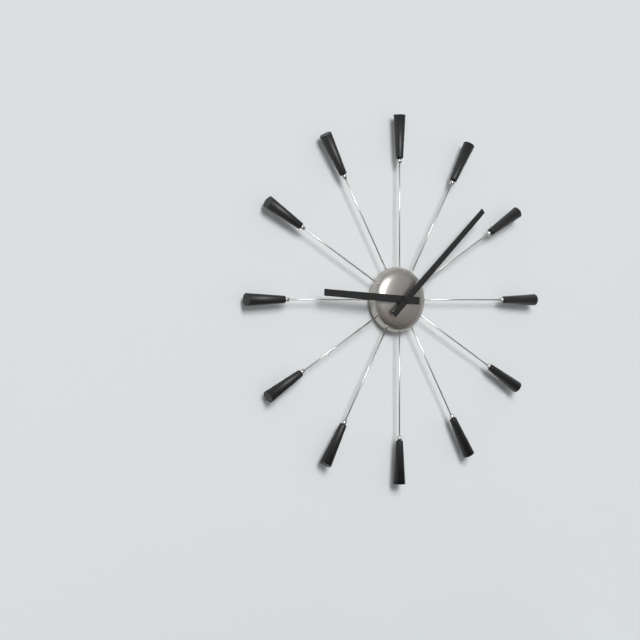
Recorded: {"hour": 9, "minute": 8}
